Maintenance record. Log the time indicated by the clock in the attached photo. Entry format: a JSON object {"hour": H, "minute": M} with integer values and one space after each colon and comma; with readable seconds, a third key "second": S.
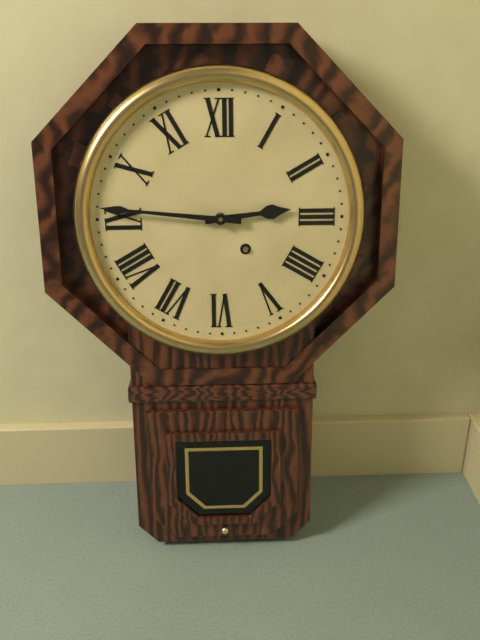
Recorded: {"hour": 2, "minute": 46}
